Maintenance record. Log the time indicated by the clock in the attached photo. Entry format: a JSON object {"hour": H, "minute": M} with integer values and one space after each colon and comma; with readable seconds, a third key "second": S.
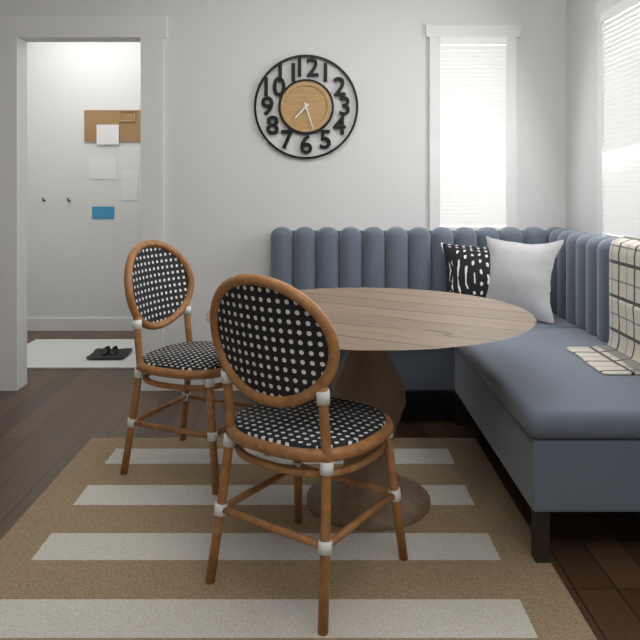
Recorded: {"hour": 7, "minute": 27}
